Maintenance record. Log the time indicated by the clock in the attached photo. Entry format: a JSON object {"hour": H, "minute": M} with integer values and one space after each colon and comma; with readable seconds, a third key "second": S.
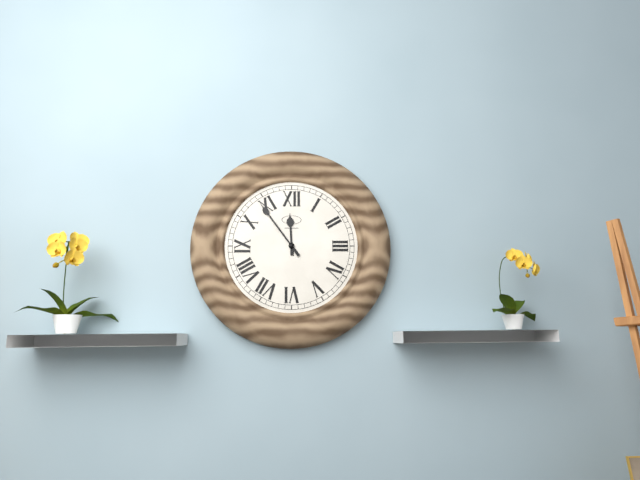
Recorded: {"hour": 11, "minute": 54}
